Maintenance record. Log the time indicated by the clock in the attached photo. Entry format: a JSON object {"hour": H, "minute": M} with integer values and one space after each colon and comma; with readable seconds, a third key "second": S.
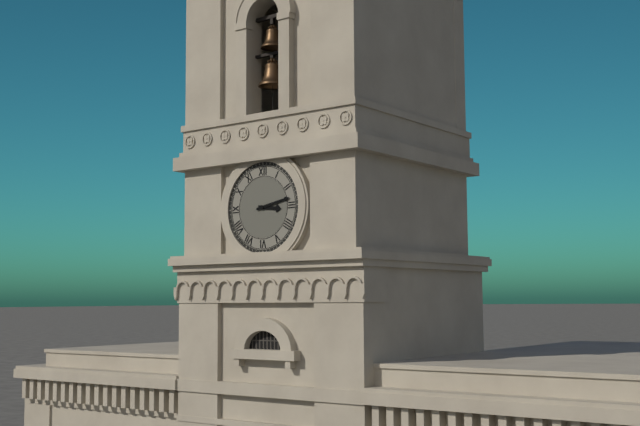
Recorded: {"hour": 3, "minute": 13}
